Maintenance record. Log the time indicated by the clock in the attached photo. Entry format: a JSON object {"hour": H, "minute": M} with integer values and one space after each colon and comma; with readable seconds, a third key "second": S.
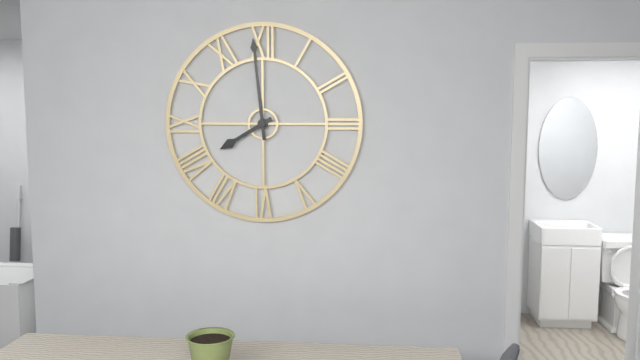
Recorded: {"hour": 7, "minute": 59}
